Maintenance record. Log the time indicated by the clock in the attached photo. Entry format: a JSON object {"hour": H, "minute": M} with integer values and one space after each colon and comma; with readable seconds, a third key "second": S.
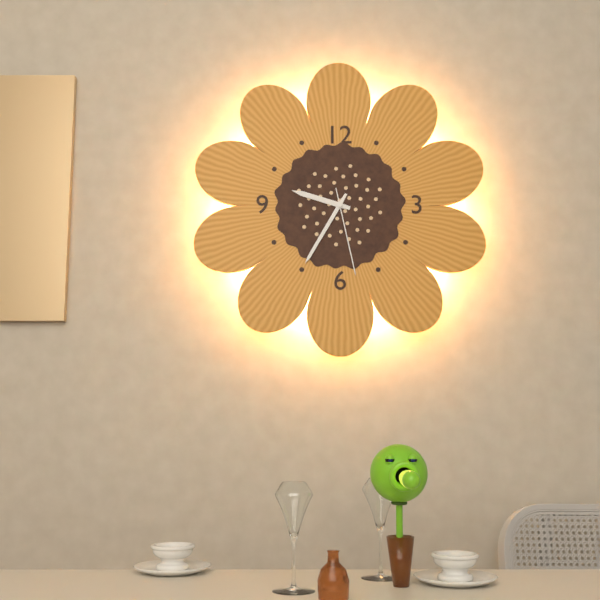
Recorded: {"hour": 9, "minute": 35, "second": 28}
